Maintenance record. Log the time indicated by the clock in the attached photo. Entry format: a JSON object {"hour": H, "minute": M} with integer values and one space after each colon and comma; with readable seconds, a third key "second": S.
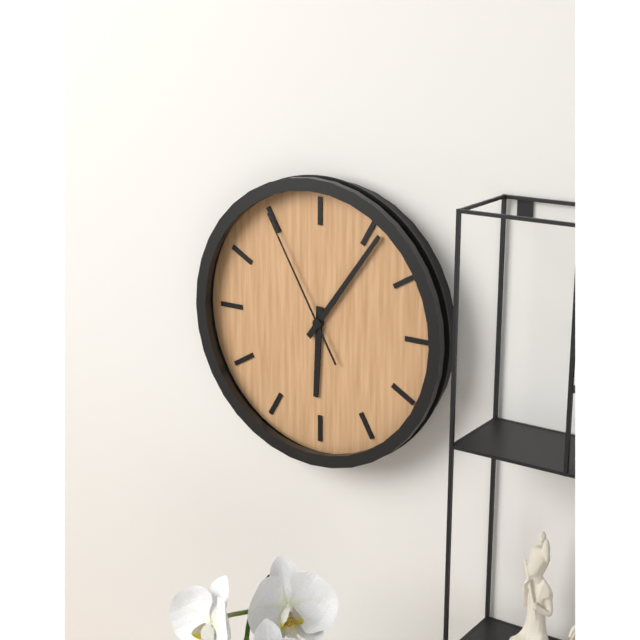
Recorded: {"hour": 6, "minute": 6, "second": 55}
